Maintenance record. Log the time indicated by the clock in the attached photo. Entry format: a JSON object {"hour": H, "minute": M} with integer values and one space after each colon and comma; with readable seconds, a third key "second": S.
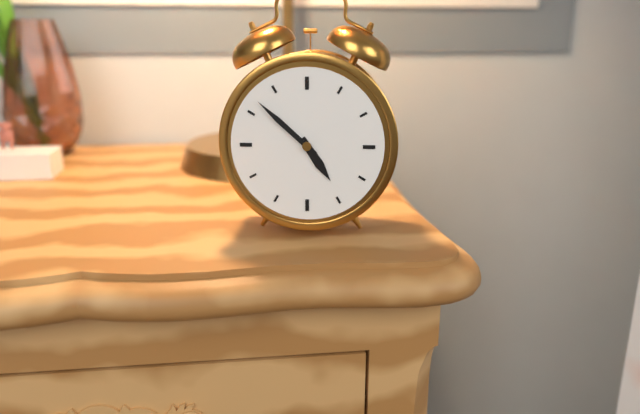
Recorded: {"hour": 4, "minute": 52}
